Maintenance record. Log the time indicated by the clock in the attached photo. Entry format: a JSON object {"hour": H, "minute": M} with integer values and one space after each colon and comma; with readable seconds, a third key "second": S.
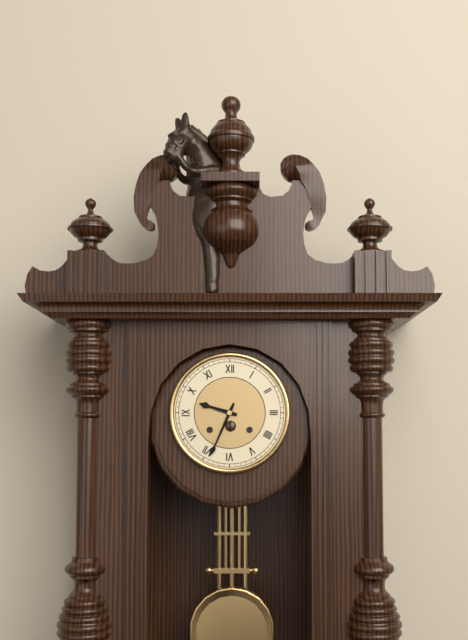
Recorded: {"hour": 9, "minute": 34}
